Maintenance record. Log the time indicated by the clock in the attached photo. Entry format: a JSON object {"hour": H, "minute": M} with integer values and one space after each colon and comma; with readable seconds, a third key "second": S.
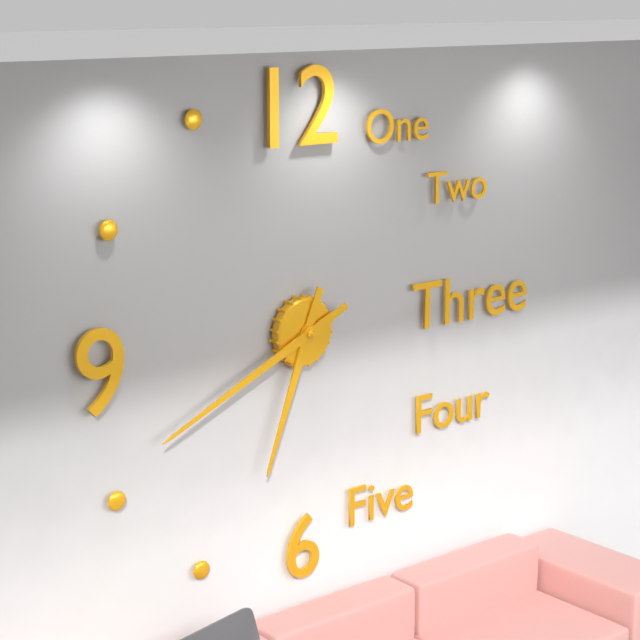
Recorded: {"hour": 6, "minute": 41}
